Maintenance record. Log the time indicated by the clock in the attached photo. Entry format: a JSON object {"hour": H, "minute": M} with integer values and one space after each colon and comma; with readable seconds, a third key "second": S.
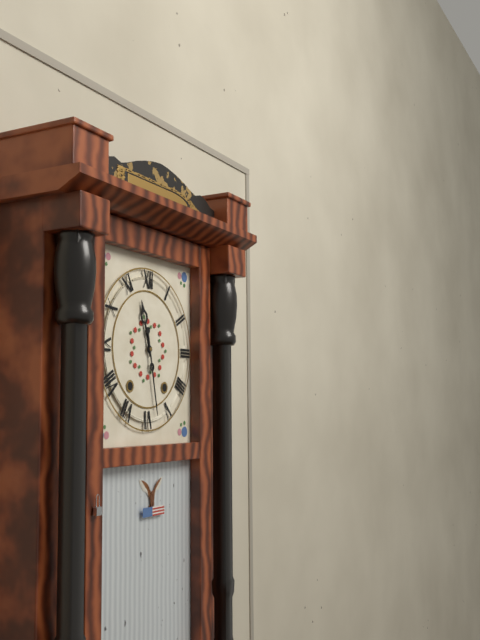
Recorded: {"hour": 11, "minute": 28}
